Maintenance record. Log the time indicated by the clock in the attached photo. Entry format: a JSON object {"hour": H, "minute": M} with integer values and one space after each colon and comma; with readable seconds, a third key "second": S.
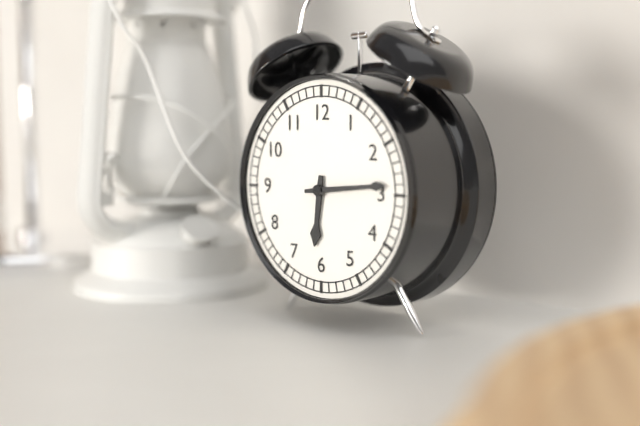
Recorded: {"hour": 6, "minute": 14}
